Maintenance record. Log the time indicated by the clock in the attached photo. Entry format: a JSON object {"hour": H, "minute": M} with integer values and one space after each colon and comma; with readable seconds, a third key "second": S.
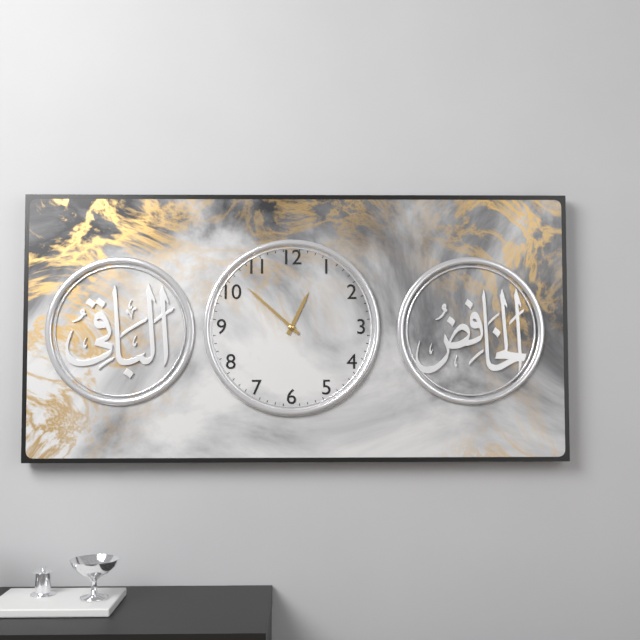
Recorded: {"hour": 12, "minute": 52}
